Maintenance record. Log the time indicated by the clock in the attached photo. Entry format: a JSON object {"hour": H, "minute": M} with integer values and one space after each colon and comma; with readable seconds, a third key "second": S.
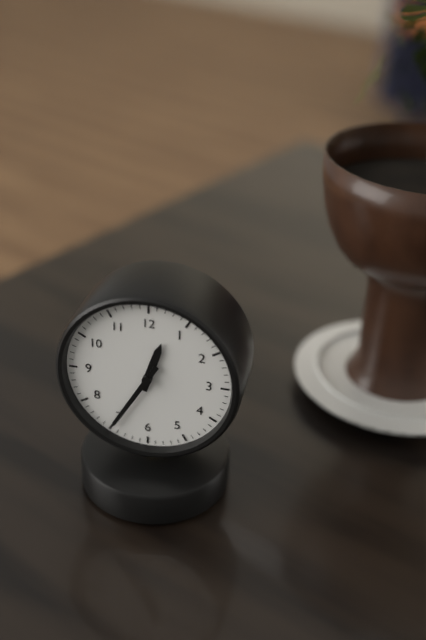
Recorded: {"hour": 12, "minute": 35}
